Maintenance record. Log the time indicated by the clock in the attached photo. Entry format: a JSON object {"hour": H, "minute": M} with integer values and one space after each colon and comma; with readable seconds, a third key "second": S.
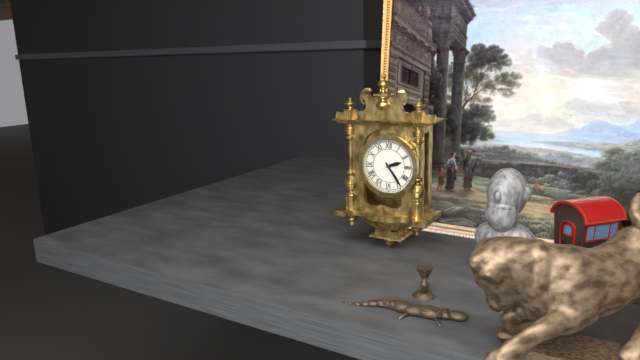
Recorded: {"hour": 2, "minute": 24}
